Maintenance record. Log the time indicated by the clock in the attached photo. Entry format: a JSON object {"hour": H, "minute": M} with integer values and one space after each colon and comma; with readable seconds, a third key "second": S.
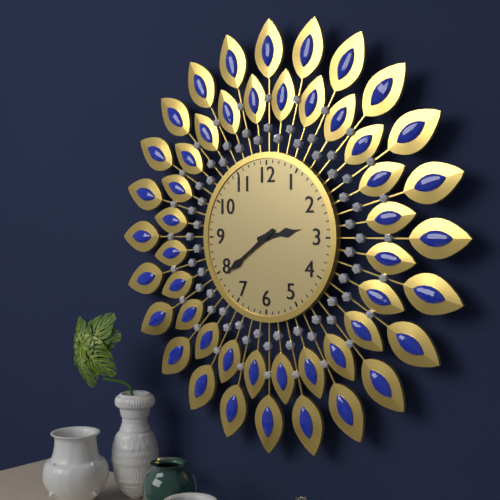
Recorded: {"hour": 2, "minute": 39}
